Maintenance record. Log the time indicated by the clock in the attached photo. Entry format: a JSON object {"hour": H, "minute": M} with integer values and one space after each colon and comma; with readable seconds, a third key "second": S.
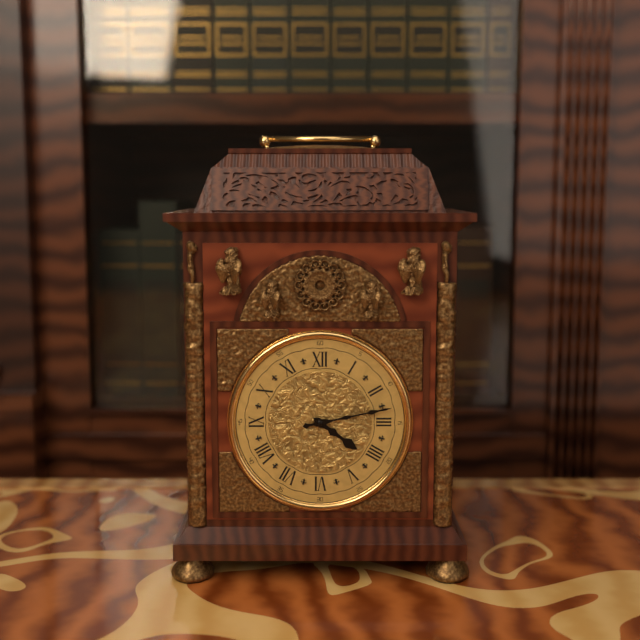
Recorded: {"hour": 4, "minute": 13}
